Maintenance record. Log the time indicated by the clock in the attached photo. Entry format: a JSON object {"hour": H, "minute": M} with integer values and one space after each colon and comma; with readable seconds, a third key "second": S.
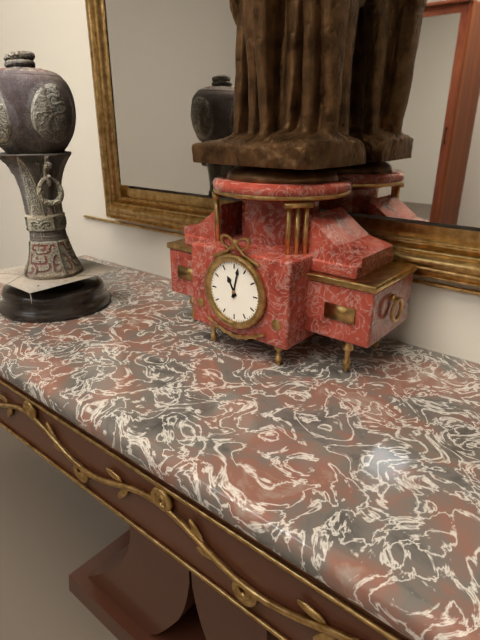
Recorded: {"hour": 11, "minute": 2}
